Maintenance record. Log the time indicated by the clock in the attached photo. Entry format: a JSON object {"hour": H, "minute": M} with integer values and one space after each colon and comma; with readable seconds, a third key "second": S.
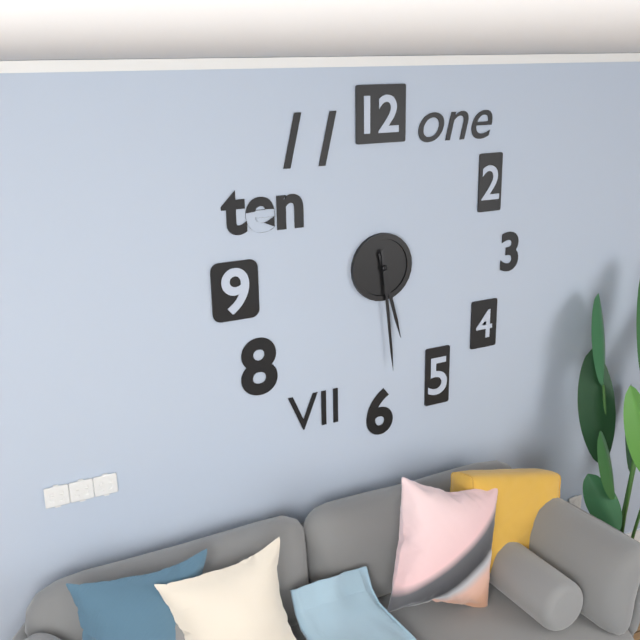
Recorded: {"hour": 5, "minute": 29}
